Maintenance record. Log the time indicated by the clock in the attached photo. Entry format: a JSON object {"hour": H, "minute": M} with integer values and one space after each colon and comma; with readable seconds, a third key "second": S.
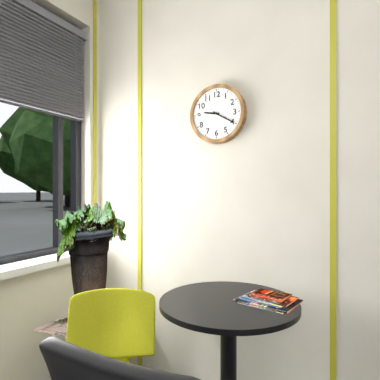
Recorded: {"hour": 9, "minute": 20}
